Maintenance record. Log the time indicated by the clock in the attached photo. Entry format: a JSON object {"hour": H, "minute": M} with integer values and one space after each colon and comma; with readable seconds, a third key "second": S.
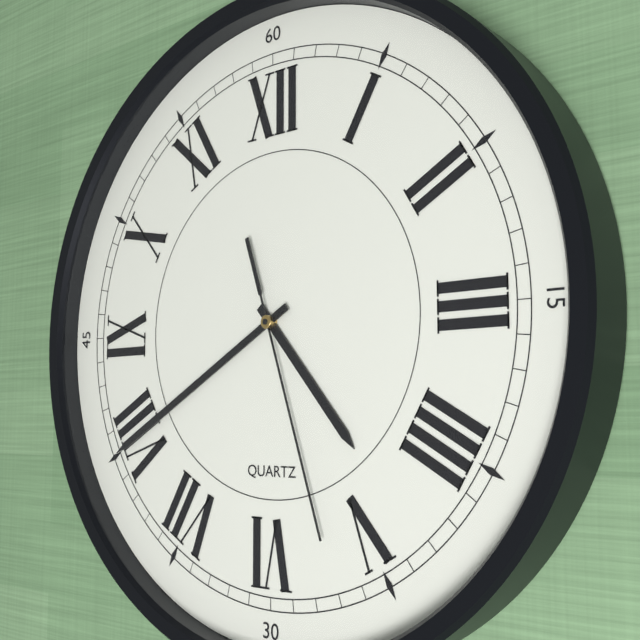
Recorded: {"hour": 4, "minute": 40, "second": 27}
